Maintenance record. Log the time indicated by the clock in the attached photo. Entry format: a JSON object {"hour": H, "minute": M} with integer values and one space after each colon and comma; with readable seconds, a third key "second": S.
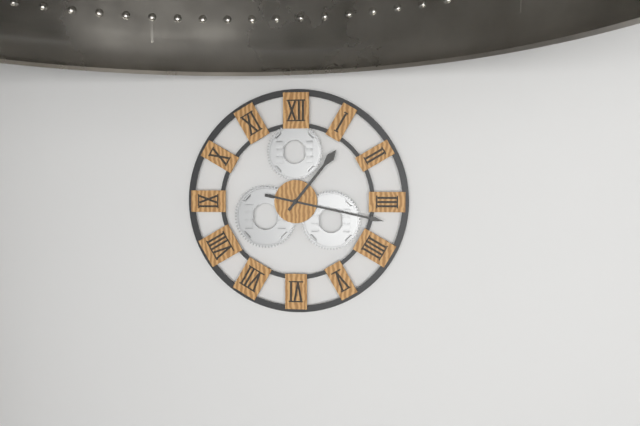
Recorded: {"hour": 1, "minute": 17}
